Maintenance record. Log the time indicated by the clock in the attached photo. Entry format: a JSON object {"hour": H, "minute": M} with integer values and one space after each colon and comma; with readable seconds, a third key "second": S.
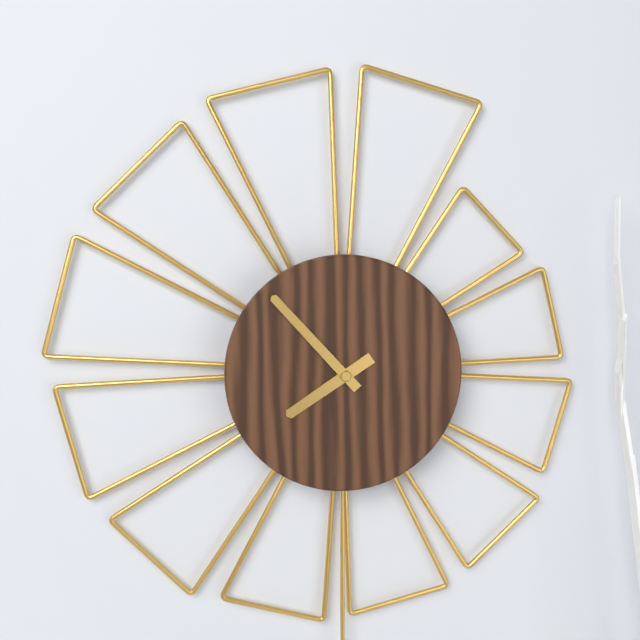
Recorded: {"hour": 7, "minute": 53}
